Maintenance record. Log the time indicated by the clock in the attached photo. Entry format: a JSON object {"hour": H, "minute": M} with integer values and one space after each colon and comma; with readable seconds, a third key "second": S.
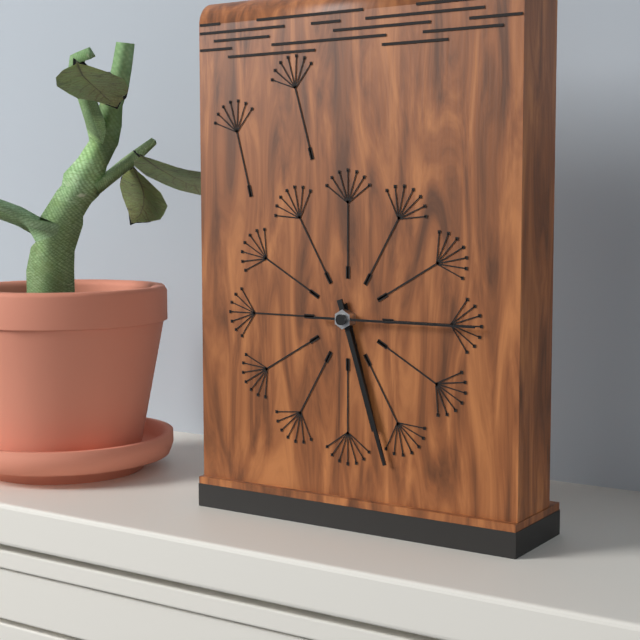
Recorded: {"hour": 5, "minute": 27, "second": 15}
